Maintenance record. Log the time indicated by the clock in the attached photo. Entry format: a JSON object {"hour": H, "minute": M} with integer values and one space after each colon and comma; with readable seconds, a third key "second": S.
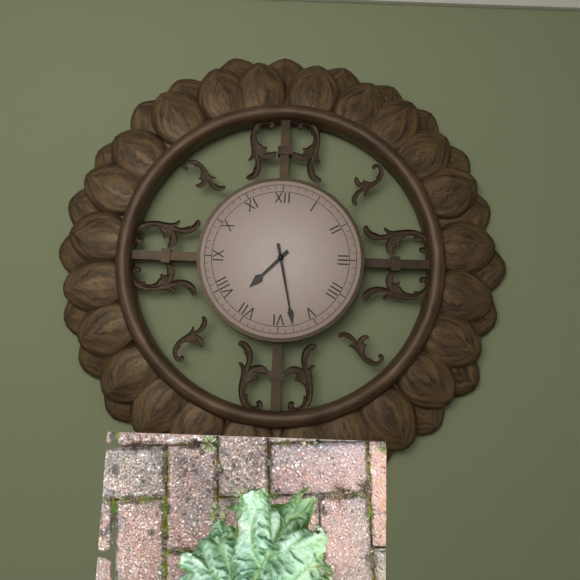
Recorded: {"hour": 7, "minute": 28}
